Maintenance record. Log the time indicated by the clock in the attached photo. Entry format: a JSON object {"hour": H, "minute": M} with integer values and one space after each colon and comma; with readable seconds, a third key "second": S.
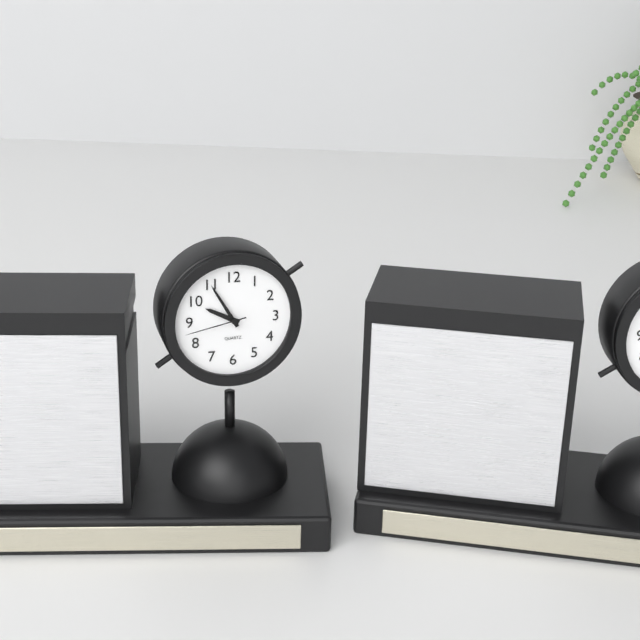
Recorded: {"hour": 9, "minute": 55, "second": 43}
